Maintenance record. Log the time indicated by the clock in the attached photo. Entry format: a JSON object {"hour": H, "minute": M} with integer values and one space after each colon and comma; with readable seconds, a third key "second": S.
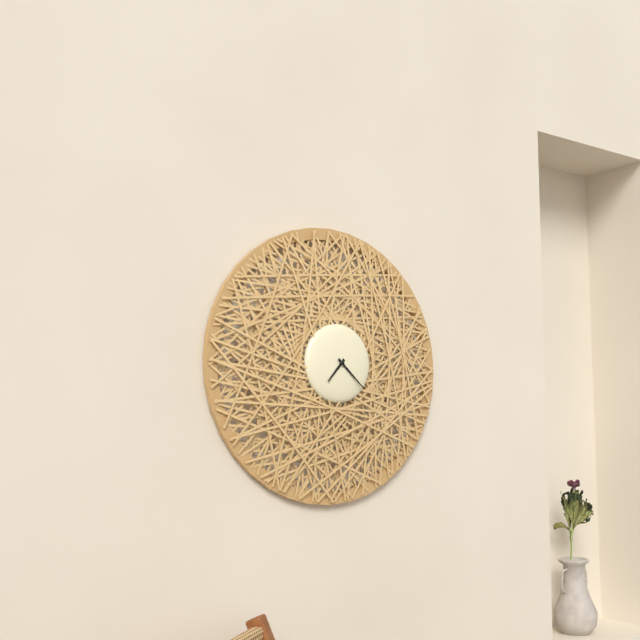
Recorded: {"hour": 7, "minute": 22}
